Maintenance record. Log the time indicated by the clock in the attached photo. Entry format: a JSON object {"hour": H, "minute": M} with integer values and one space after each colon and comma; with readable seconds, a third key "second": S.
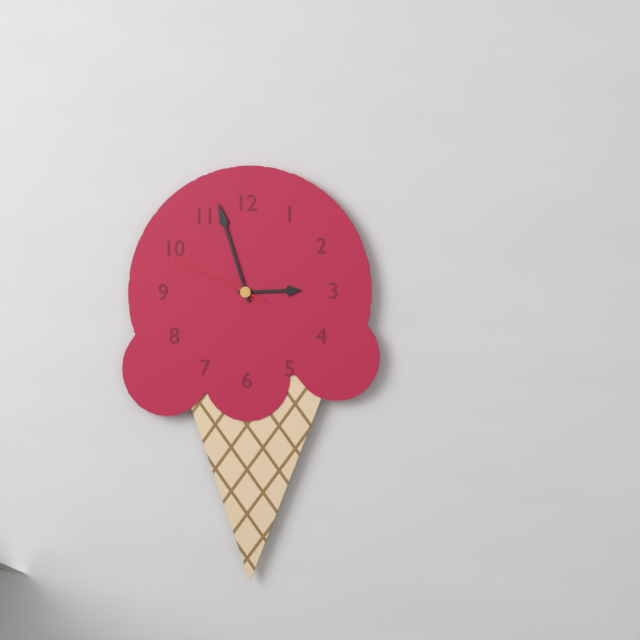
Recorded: {"hour": 2, "minute": 57, "second": 49}
